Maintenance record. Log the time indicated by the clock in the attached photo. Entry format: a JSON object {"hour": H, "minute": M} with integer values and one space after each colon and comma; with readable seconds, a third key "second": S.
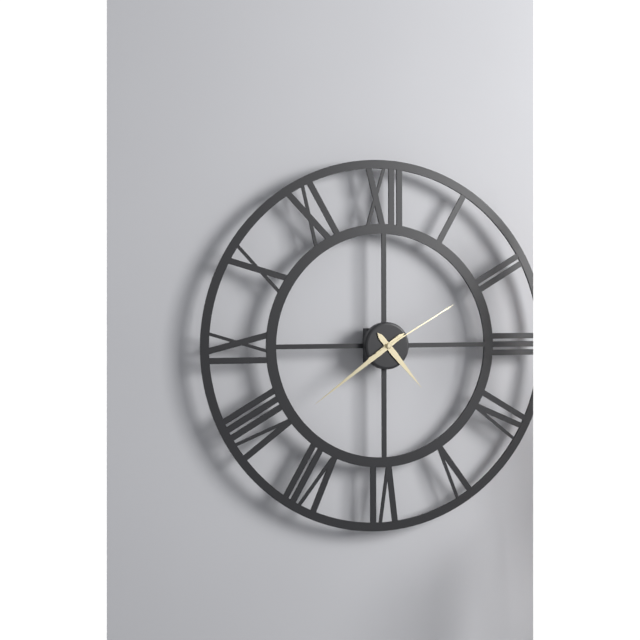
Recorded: {"hour": 4, "minute": 39, "second": 10}
